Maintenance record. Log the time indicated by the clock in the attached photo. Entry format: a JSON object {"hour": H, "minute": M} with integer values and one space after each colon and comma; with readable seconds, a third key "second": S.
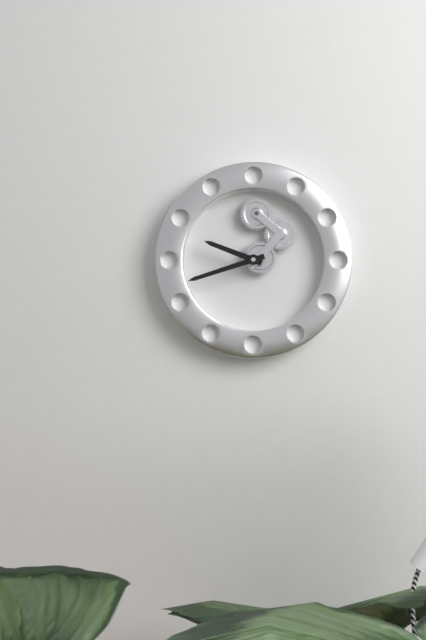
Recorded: {"hour": 9, "minute": 42}
